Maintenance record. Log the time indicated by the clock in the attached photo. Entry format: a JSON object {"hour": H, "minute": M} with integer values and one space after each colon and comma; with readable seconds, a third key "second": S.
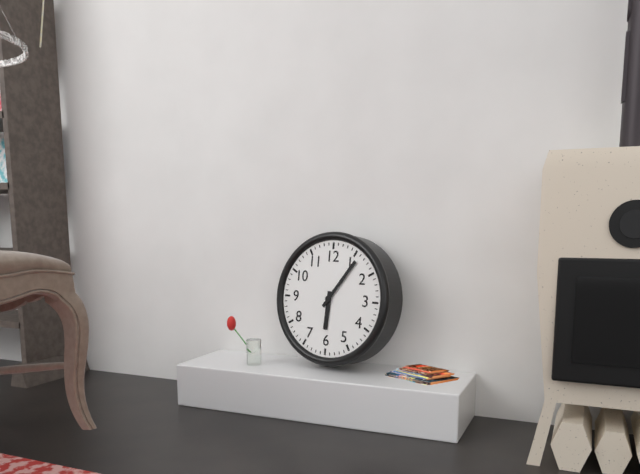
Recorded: {"hour": 6, "minute": 6}
